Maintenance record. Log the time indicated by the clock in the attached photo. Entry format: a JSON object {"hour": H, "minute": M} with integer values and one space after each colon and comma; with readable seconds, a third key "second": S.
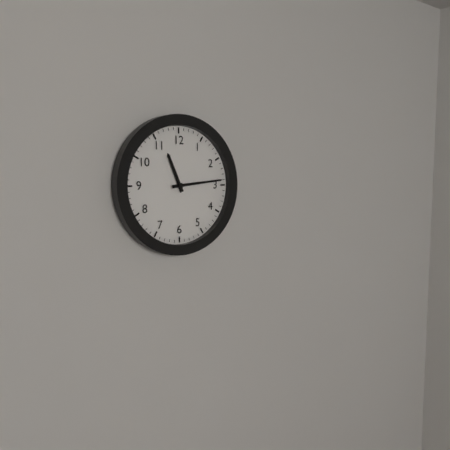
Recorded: {"hour": 11, "minute": 14}
